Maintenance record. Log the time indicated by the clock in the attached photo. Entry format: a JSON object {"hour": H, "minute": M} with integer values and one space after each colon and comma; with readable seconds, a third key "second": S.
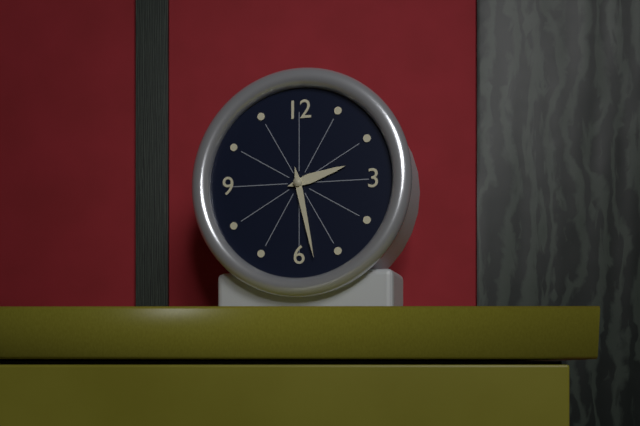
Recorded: {"hour": 2, "minute": 28}
